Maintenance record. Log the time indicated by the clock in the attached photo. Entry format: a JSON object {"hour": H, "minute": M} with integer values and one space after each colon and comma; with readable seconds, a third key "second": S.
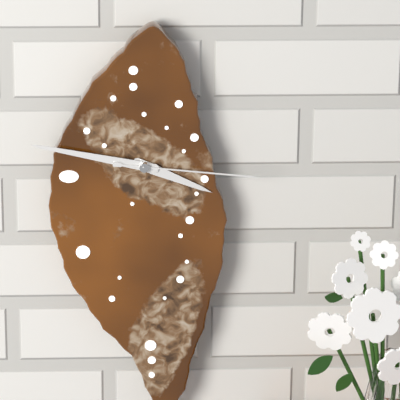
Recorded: {"hour": 3, "minute": 47, "second": 16}
